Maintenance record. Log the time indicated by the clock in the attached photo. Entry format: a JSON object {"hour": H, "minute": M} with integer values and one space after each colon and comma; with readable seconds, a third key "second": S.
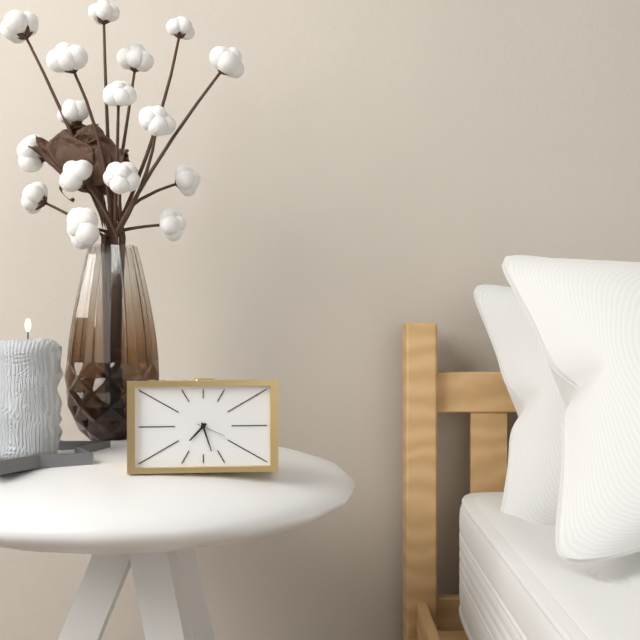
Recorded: {"hour": 7, "minute": 27}
